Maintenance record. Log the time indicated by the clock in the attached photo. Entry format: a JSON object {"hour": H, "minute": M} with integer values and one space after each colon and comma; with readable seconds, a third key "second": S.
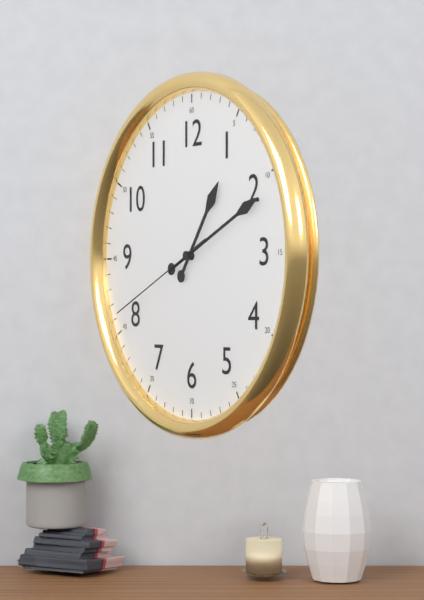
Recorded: {"hour": 1, "minute": 11, "second": 41}
